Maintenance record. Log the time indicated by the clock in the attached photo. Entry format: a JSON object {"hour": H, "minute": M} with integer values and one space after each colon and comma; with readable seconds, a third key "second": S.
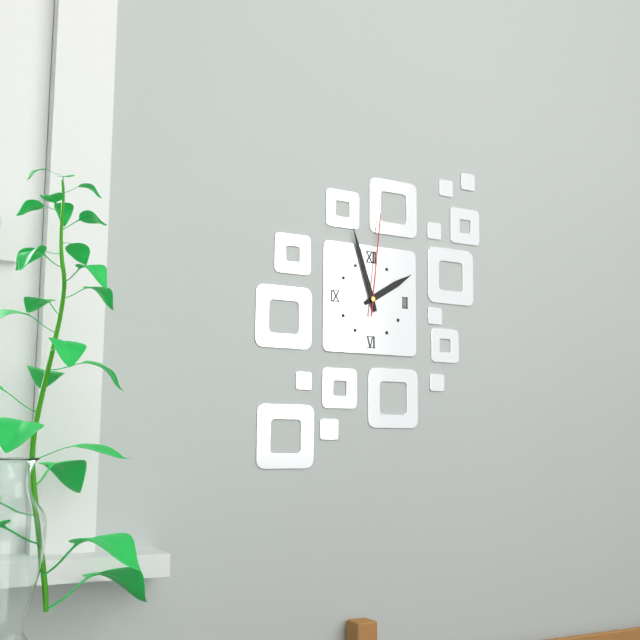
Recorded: {"hour": 1, "minute": 57, "second": 1}
